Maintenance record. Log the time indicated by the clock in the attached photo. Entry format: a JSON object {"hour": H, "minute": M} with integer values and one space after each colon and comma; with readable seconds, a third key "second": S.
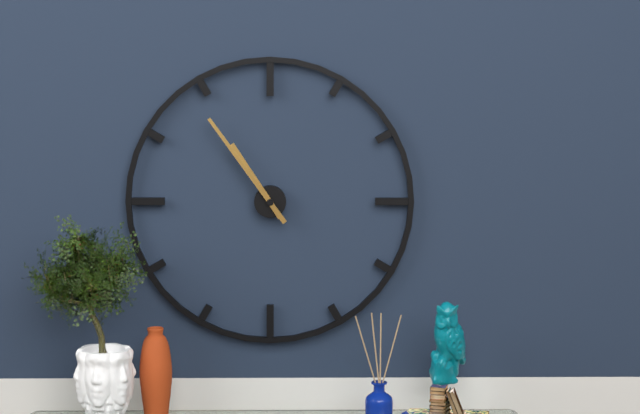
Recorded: {"hour": 10, "minute": 54}
